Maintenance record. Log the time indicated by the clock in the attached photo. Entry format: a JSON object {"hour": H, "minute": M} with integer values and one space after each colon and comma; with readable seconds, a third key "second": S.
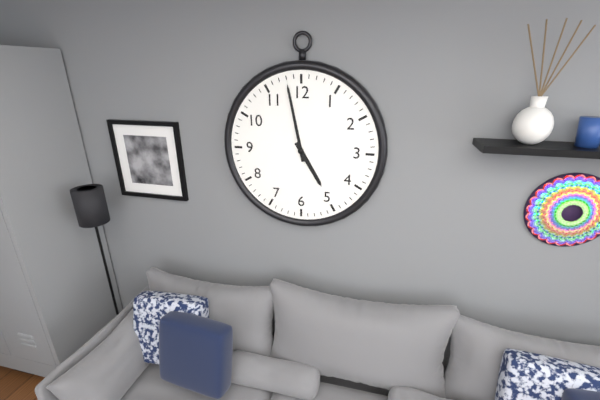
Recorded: {"hour": 4, "minute": 58}
